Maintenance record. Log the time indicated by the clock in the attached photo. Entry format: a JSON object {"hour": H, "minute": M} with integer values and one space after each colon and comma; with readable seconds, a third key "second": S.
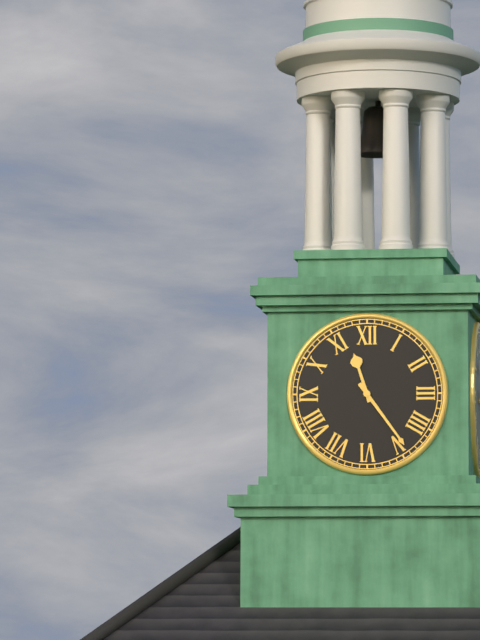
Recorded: {"hour": 11, "minute": 24}
